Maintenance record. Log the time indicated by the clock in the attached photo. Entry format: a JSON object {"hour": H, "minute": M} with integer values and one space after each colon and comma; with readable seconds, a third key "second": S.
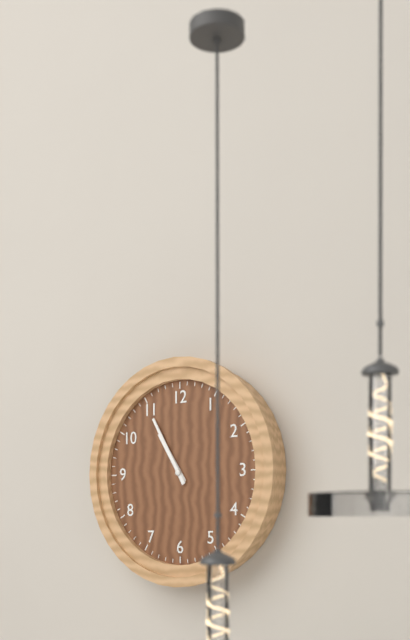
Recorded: {"hour": 10, "minute": 55}
